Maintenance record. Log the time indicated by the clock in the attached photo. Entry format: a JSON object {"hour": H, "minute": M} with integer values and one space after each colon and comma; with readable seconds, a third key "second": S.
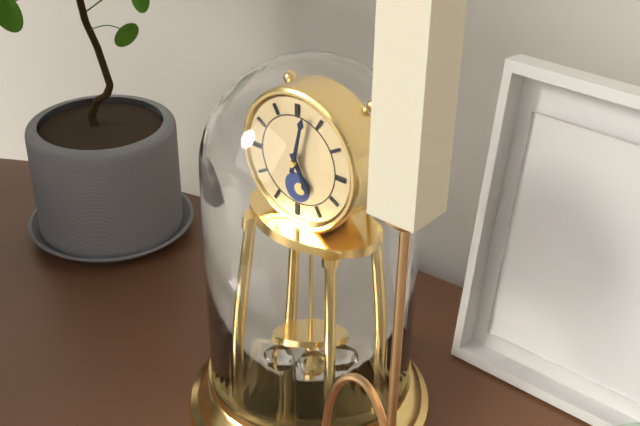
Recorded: {"hour": 5, "minute": 2}
